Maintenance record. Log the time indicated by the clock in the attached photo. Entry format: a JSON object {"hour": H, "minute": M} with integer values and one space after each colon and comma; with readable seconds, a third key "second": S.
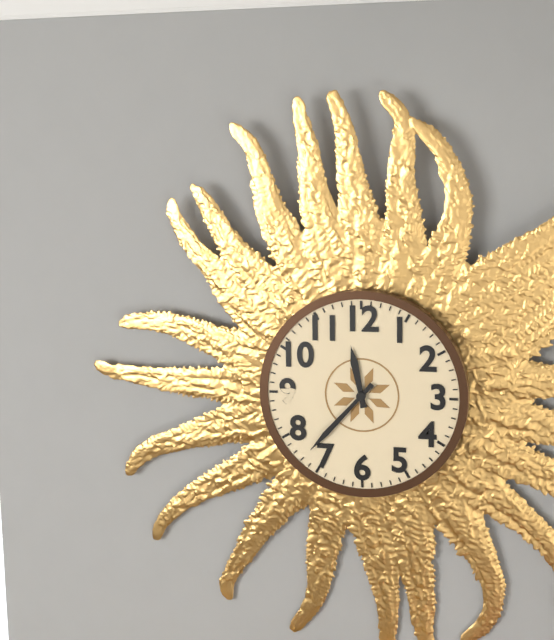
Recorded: {"hour": 11, "minute": 37}
